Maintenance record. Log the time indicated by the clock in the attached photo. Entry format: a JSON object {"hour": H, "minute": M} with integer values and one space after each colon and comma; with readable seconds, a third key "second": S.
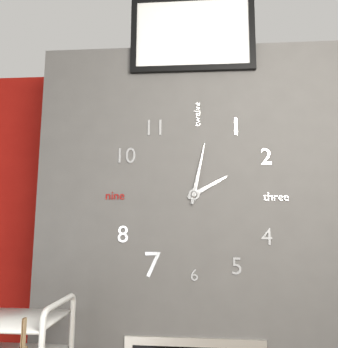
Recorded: {"hour": 2, "minute": 2}
